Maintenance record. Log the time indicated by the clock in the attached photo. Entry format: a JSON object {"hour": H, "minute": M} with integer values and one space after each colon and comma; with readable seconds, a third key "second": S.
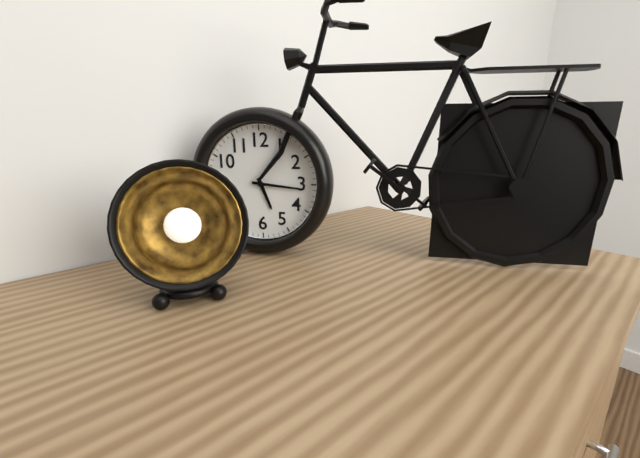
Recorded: {"hour": 5, "minute": 16}
